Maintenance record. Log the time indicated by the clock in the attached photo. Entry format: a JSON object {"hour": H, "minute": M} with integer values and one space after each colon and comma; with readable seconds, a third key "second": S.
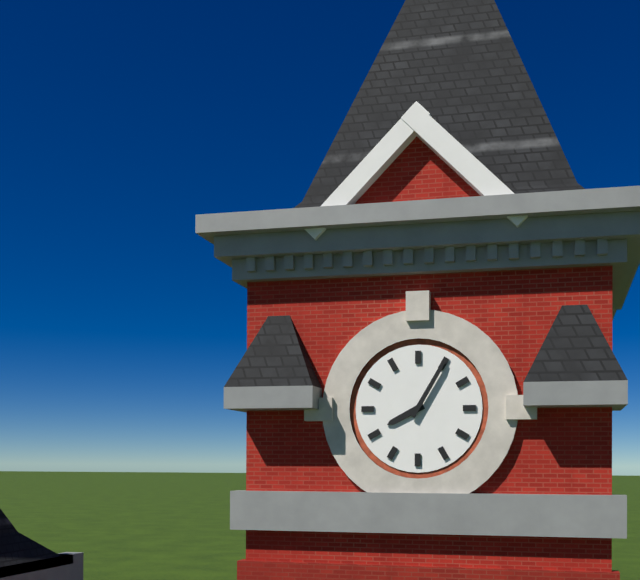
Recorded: {"hour": 8, "minute": 5}
